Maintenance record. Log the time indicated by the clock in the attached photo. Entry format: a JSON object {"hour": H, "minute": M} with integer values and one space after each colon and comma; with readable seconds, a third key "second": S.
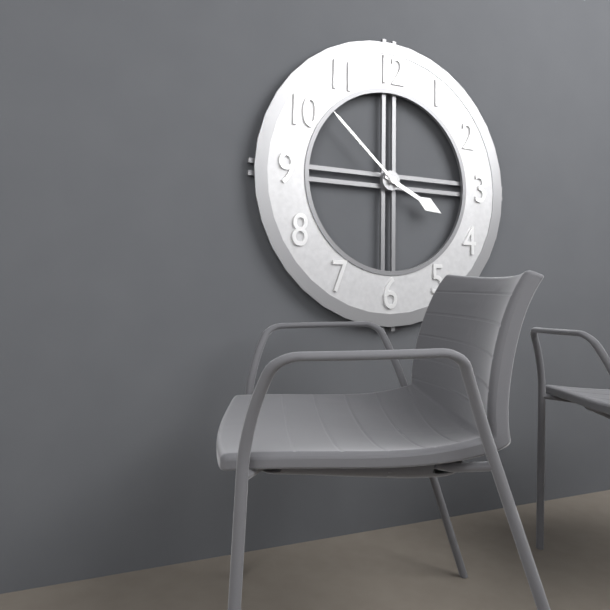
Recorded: {"hour": 3, "minute": 52}
